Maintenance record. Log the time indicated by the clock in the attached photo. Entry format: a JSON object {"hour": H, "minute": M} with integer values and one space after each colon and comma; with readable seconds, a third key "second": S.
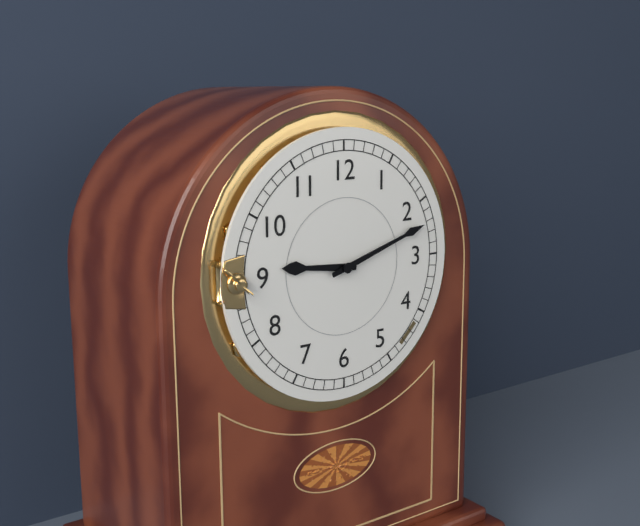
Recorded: {"hour": 9, "minute": 12}
